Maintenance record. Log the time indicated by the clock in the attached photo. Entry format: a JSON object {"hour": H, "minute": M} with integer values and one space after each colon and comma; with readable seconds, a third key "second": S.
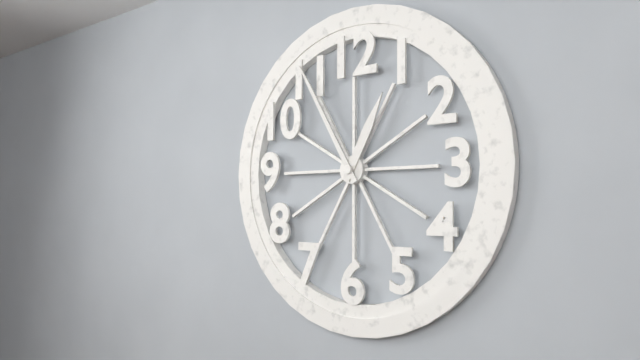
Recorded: {"hour": 12, "minute": 55}
